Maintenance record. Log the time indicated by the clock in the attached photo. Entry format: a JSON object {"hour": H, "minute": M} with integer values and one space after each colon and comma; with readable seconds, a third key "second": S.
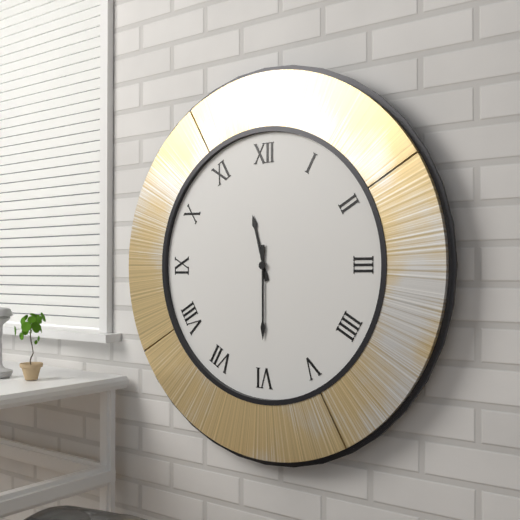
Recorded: {"hour": 11, "minute": 30}
